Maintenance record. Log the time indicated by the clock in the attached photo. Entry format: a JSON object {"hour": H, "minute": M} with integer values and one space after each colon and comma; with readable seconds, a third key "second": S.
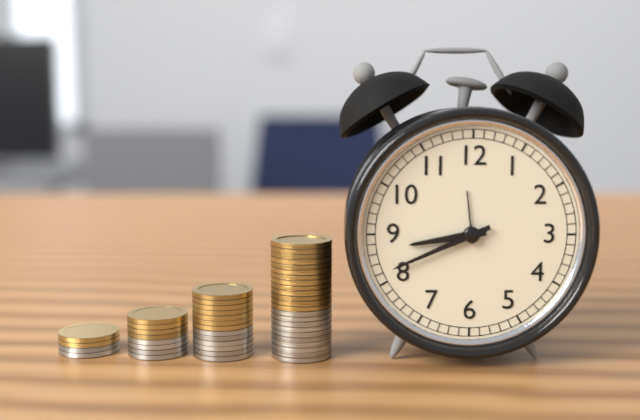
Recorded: {"hour": 8, "minute": 41}
